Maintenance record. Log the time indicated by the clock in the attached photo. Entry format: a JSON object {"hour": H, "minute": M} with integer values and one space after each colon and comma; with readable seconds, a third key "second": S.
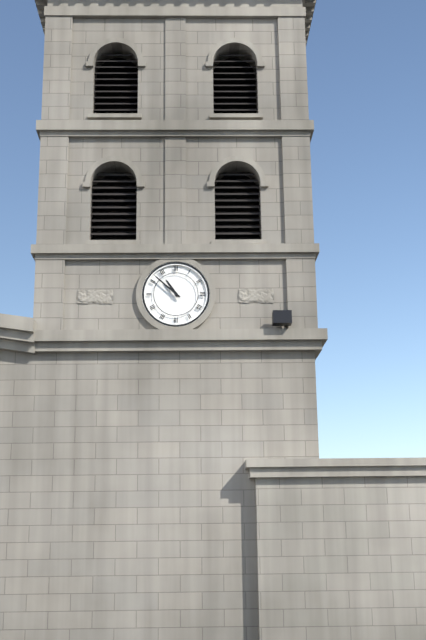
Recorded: {"hour": 10, "minute": 52}
